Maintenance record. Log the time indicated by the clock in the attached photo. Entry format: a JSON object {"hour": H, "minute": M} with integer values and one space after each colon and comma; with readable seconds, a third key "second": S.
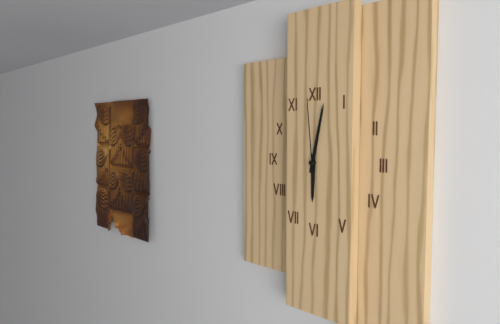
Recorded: {"hour": 6, "minute": 2, "second": 59}
